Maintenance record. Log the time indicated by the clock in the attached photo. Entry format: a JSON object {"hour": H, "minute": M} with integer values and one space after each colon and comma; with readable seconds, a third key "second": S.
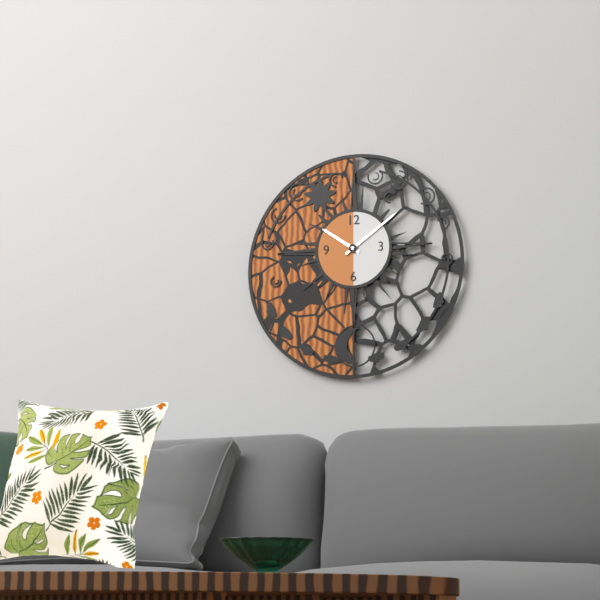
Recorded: {"hour": 10, "minute": 9}
